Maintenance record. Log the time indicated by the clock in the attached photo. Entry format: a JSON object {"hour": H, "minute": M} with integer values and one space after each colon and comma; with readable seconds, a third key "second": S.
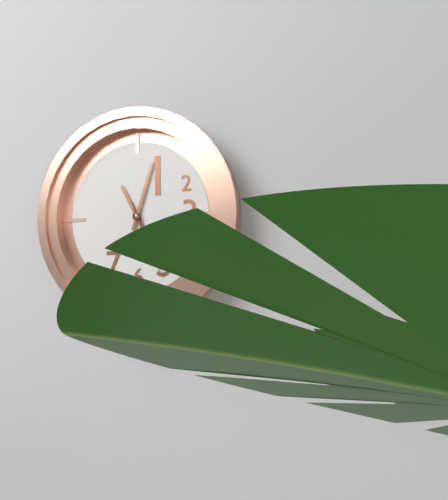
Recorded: {"hour": 11, "minute": 3}
